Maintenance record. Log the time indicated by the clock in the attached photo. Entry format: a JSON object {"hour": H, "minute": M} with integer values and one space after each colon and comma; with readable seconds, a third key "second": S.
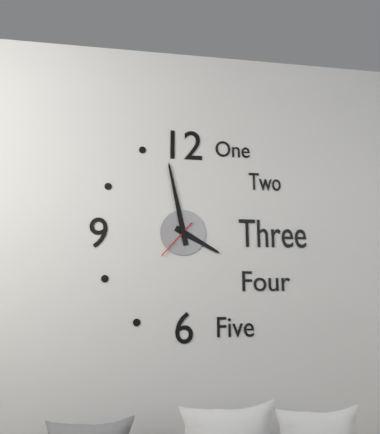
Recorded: {"hour": 3, "minute": 58}
